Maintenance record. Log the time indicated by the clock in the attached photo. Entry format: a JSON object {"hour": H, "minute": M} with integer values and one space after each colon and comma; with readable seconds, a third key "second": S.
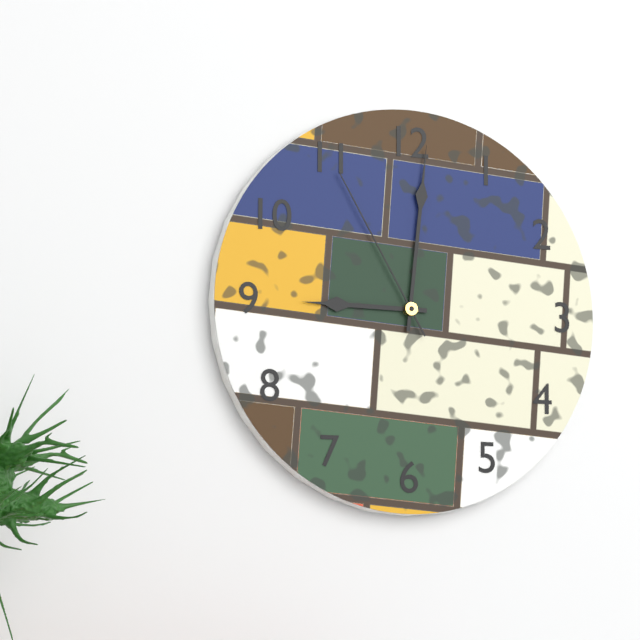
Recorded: {"hour": 9, "minute": 1, "second": 55}
